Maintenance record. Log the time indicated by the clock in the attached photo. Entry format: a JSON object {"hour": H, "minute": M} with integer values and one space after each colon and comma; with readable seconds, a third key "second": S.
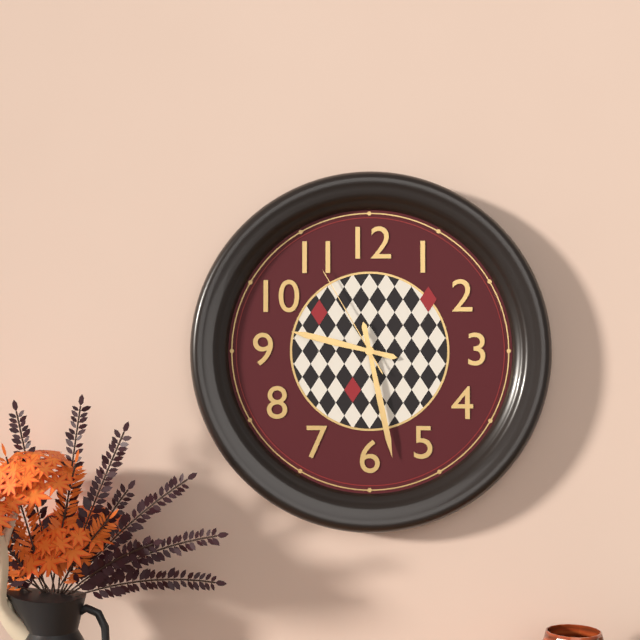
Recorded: {"hour": 9, "minute": 28, "second": 55}
